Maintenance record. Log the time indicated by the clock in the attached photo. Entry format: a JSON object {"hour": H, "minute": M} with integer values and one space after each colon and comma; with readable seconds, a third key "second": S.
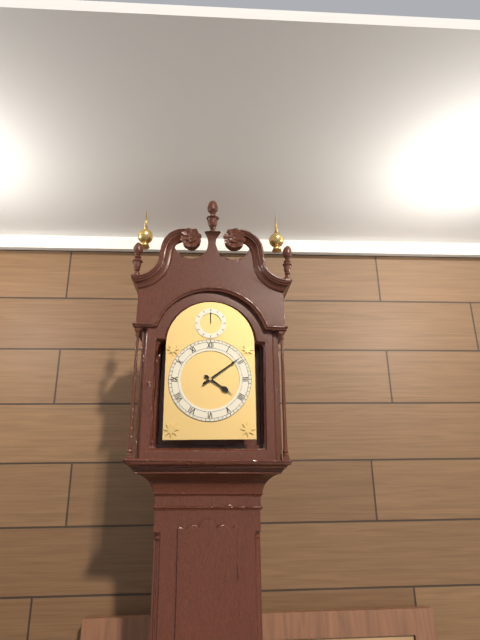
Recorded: {"hour": 4, "minute": 9}
